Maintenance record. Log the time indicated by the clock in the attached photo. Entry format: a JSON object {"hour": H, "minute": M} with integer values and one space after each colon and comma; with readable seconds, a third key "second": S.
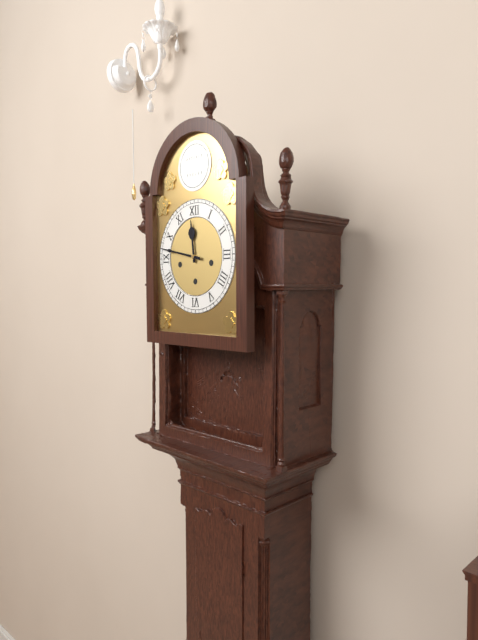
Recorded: {"hour": 11, "minute": 47}
